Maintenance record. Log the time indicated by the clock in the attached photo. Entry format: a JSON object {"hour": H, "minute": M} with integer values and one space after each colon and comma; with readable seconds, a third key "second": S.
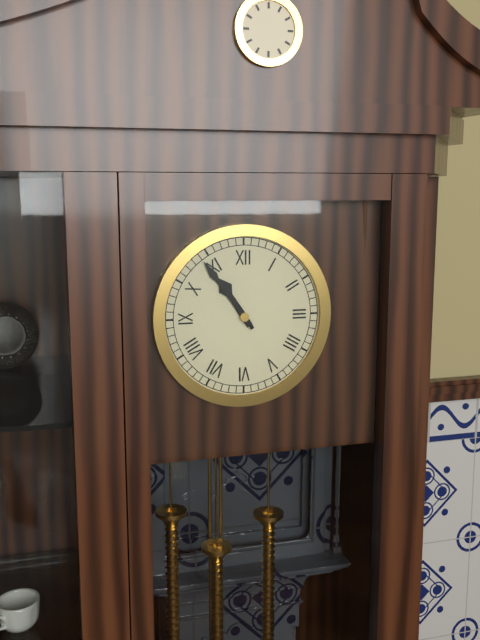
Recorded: {"hour": 10, "minute": 54}
